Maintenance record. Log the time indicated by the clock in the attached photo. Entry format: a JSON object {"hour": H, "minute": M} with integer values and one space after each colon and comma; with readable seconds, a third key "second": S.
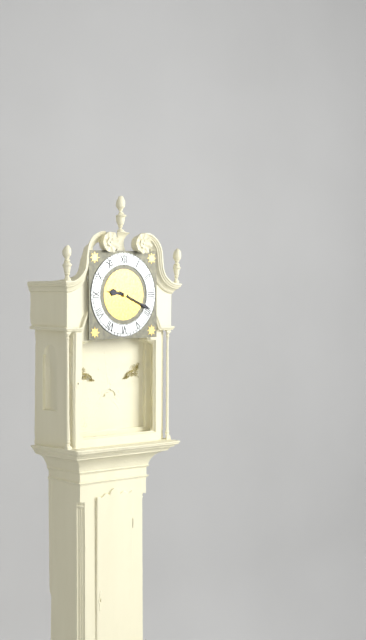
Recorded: {"hour": 9, "minute": 19}
